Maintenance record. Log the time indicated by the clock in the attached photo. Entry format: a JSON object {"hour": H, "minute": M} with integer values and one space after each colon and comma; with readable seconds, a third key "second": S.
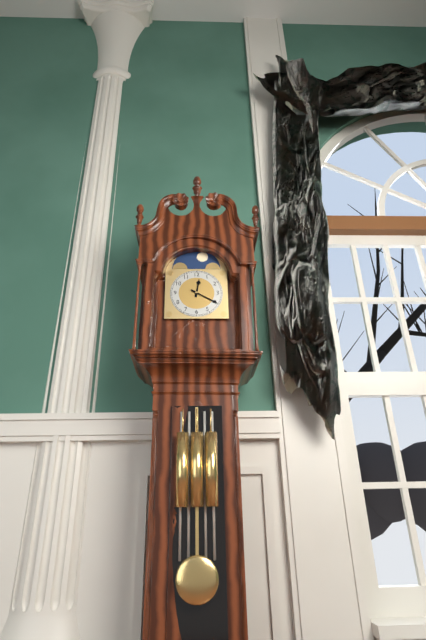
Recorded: {"hour": 12, "minute": 20}
